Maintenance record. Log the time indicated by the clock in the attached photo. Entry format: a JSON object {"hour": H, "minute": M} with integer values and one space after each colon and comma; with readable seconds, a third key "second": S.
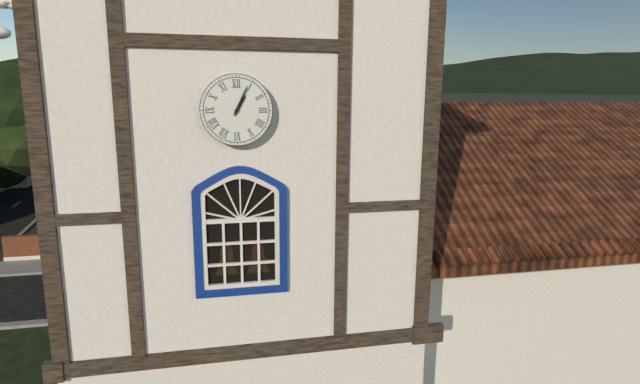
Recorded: {"hour": 1, "minute": 4}
